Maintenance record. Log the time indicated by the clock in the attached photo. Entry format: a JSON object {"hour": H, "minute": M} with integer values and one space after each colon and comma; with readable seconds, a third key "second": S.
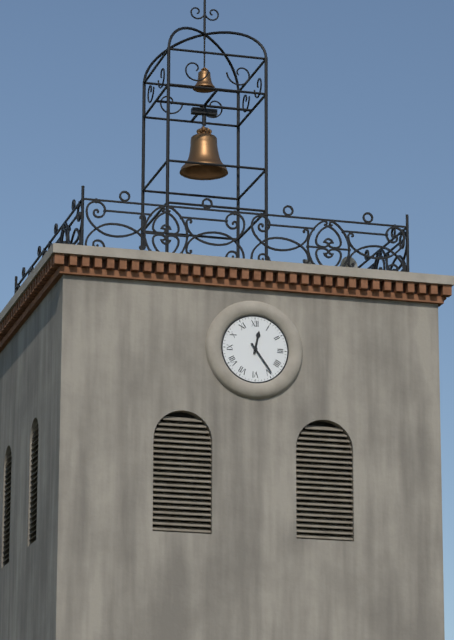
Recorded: {"hour": 12, "minute": 24}
